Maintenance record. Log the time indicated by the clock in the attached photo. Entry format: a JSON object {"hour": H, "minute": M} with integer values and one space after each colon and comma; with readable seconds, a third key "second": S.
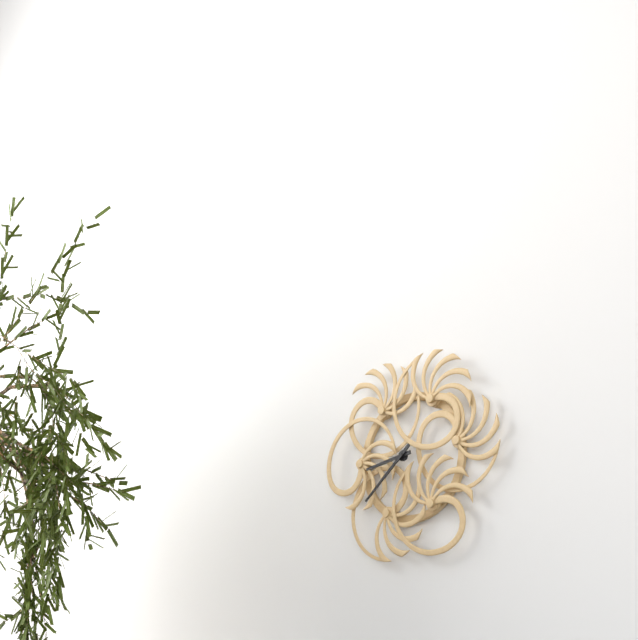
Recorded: {"hour": 8, "minute": 38}
